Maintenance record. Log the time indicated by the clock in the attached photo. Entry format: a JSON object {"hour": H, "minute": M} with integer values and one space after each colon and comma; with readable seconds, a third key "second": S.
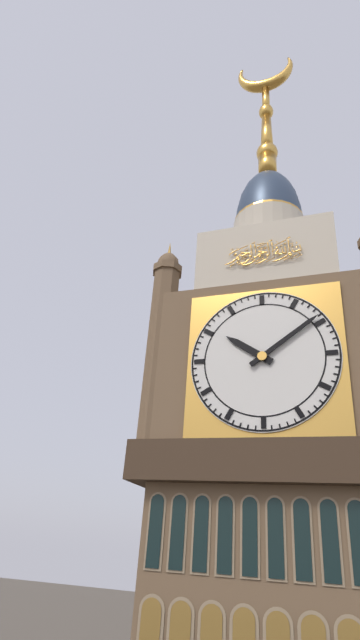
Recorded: {"hour": 10, "minute": 9}
